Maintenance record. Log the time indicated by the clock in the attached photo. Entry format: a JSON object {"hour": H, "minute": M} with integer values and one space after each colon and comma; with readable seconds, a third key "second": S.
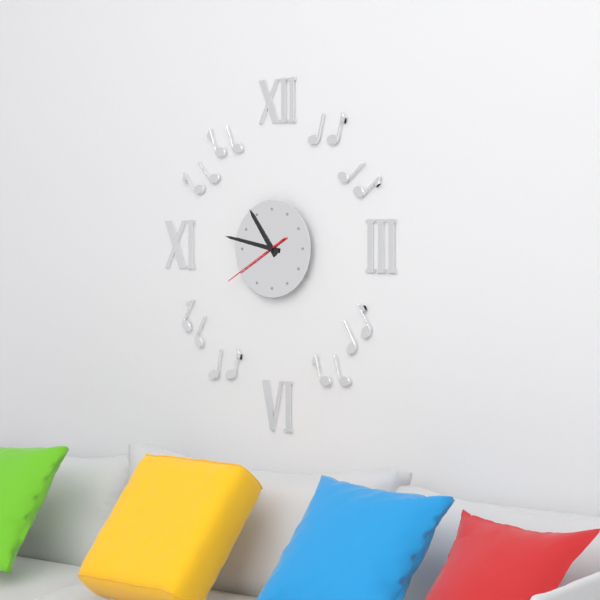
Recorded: {"hour": 10, "minute": 47, "second": 40}
